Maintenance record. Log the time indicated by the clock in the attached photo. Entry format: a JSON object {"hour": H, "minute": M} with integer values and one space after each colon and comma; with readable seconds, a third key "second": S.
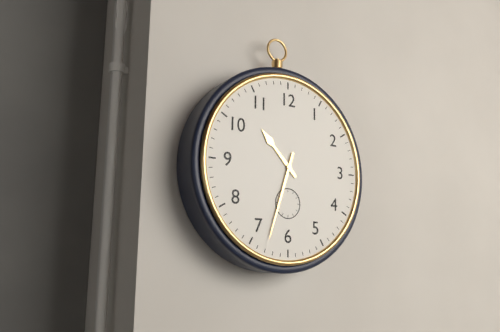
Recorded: {"hour": 10, "minute": 33}
